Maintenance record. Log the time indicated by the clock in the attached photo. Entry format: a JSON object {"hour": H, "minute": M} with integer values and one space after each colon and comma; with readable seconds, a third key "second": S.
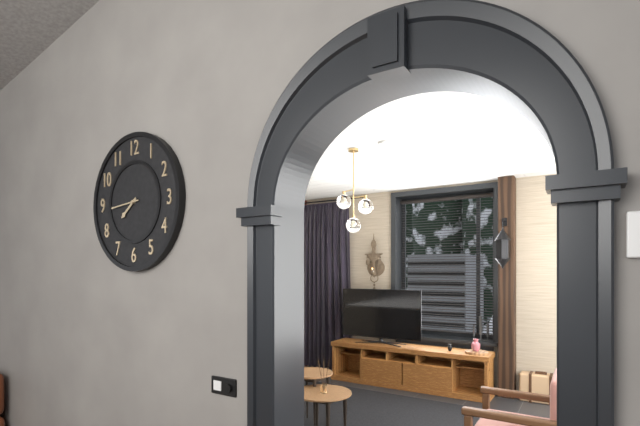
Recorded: {"hour": 7, "minute": 44}
